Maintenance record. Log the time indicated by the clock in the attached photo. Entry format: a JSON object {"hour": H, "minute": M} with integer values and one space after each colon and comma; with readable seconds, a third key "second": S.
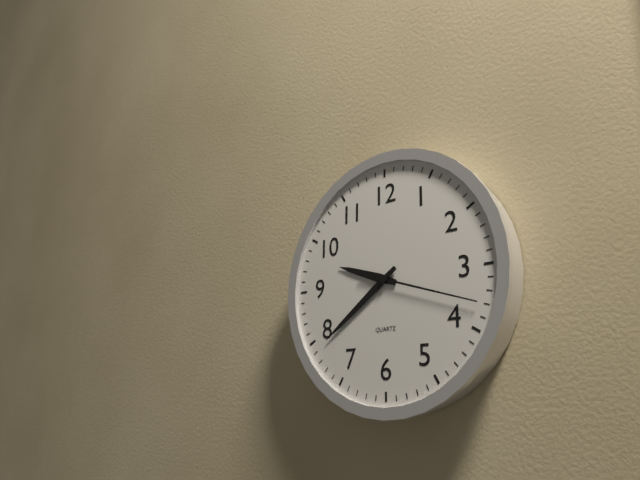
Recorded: {"hour": 9, "minute": 39, "second": 18}
